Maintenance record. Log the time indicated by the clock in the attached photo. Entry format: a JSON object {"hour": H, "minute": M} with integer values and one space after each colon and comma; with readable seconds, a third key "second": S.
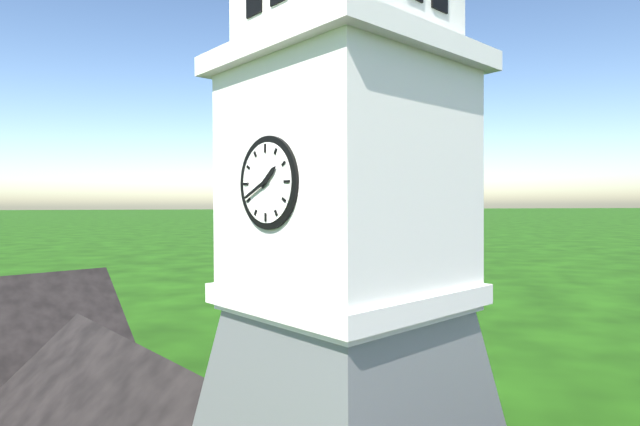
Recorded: {"hour": 1, "minute": 41}
